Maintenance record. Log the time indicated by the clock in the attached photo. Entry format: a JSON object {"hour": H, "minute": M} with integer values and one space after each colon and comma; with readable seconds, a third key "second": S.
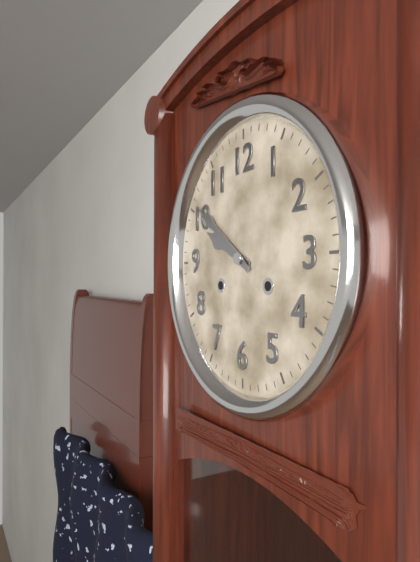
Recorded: {"hour": 9, "minute": 51}
